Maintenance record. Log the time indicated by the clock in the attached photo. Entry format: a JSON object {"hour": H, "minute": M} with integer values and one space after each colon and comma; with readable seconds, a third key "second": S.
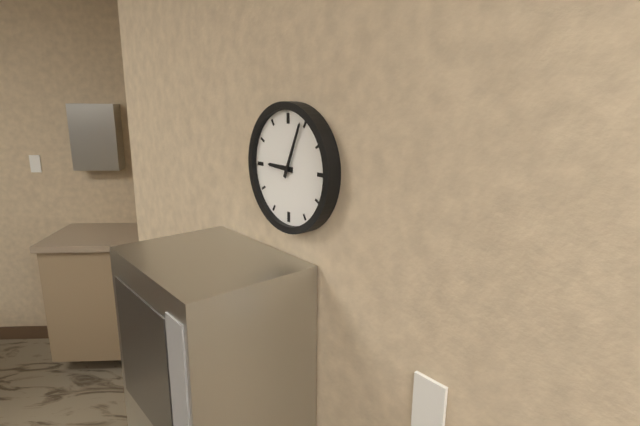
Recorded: {"hour": 9, "minute": 4}
